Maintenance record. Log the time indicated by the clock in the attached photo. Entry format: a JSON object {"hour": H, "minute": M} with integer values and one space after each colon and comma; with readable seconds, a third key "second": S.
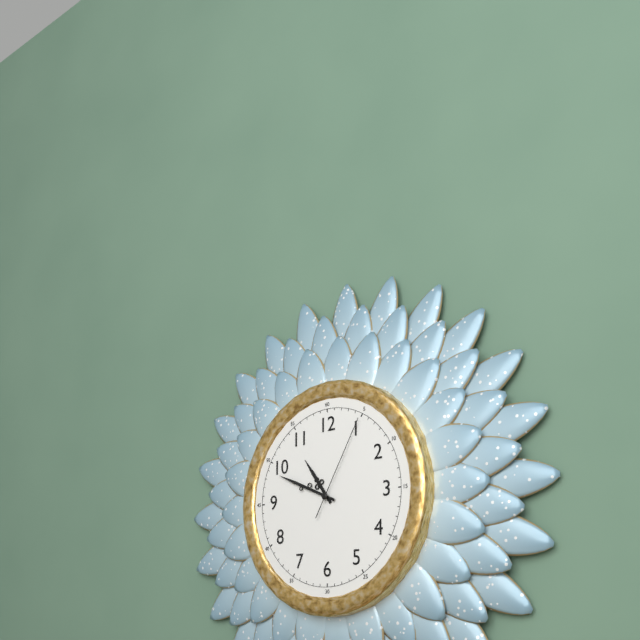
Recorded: {"hour": 10, "minute": 49, "second": 5}
